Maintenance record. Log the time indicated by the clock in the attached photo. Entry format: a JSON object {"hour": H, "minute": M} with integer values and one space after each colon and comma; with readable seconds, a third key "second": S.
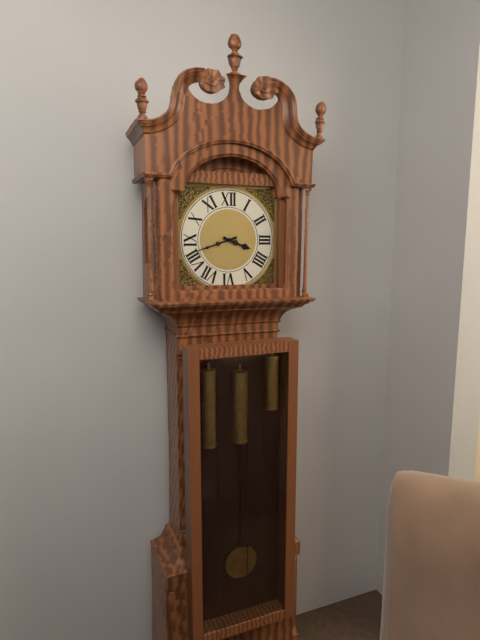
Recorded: {"hour": 3, "minute": 42}
